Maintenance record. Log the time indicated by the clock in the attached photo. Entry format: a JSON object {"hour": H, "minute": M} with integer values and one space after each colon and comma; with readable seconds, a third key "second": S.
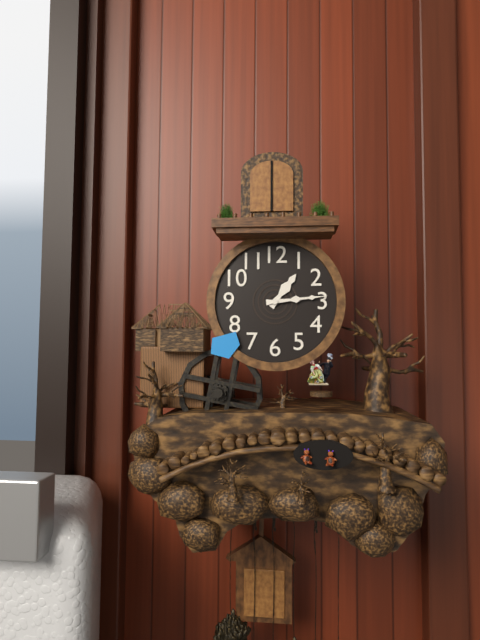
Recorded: {"hour": 1, "minute": 14}
